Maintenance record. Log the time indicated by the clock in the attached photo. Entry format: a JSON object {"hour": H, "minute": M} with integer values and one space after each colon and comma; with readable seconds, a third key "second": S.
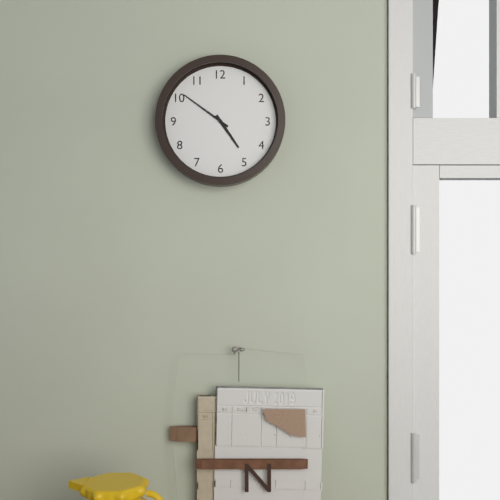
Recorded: {"hour": 4, "minute": 51}
